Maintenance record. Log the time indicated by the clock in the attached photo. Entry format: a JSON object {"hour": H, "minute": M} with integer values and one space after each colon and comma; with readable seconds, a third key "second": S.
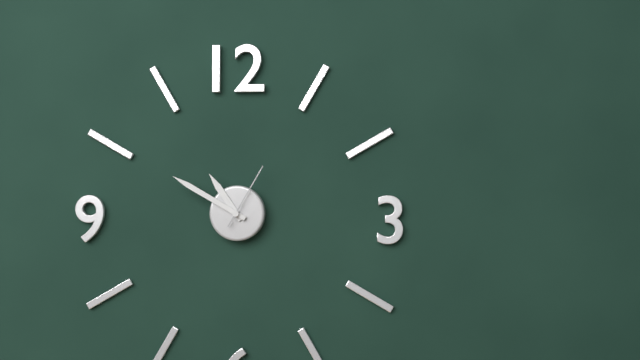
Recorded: {"hour": 10, "minute": 50, "second": 5}
